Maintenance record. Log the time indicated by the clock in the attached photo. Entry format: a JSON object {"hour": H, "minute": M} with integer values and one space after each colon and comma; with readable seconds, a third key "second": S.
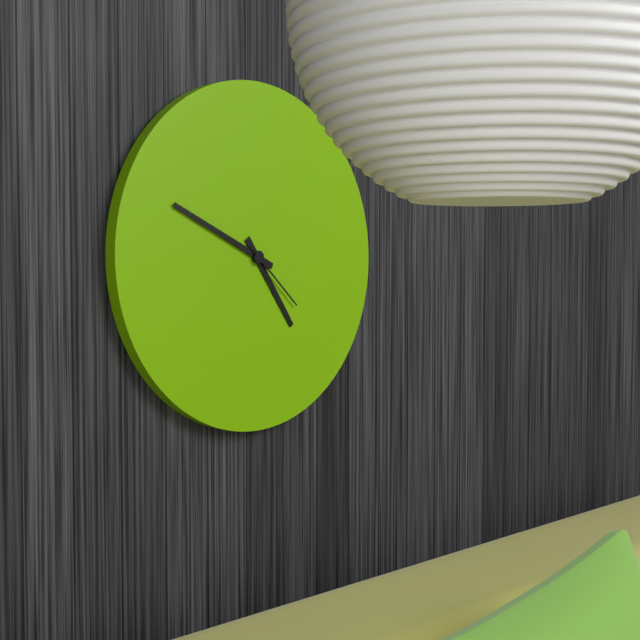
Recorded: {"hour": 4, "minute": 49, "second": 22}
